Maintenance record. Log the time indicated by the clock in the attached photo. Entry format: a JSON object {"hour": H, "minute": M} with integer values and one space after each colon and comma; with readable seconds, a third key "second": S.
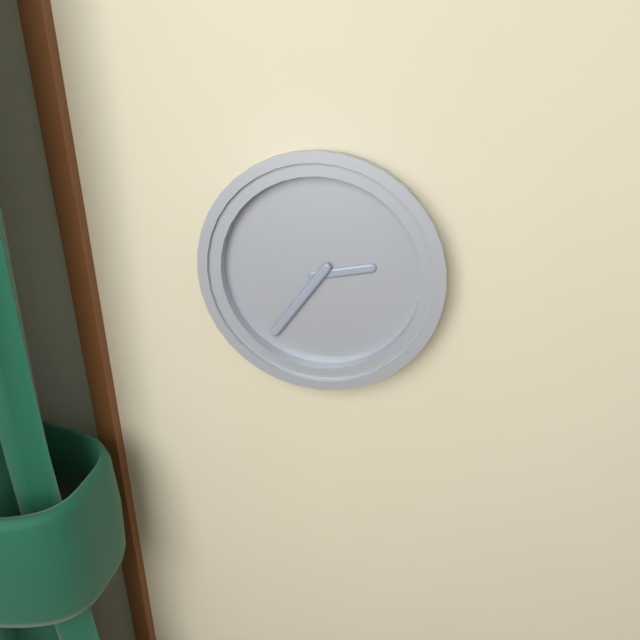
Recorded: {"hour": 2, "minute": 36}
